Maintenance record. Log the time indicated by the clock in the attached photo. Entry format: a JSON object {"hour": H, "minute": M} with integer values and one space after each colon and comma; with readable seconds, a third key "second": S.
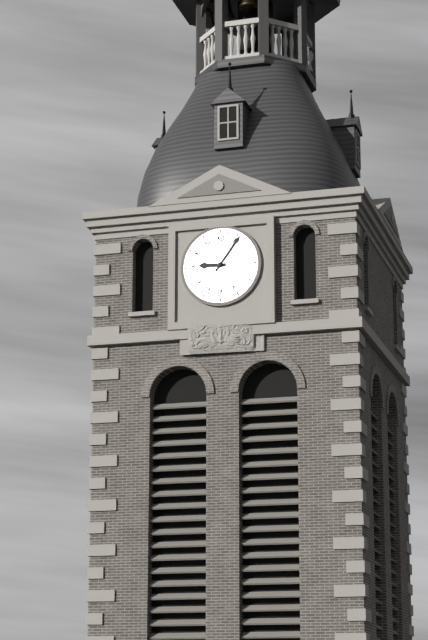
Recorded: {"hour": 9, "minute": 6}
